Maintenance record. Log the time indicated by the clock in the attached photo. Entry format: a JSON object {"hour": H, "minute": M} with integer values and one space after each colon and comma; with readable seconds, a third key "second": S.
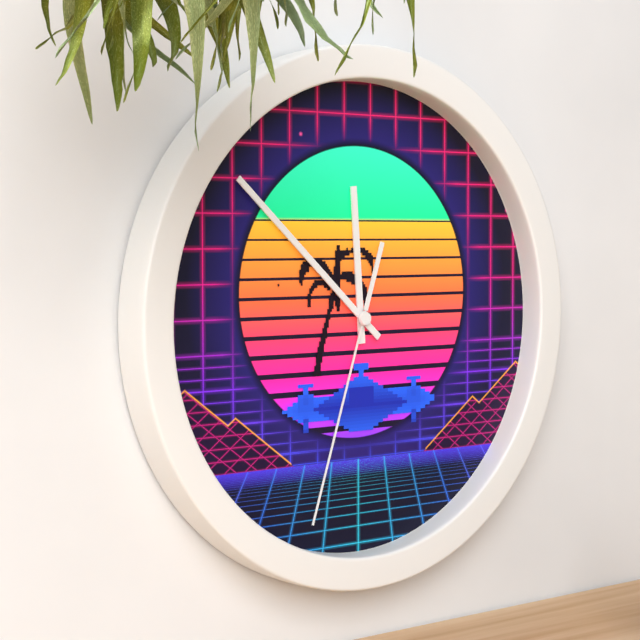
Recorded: {"hour": 11, "minute": 52, "second": 33}
